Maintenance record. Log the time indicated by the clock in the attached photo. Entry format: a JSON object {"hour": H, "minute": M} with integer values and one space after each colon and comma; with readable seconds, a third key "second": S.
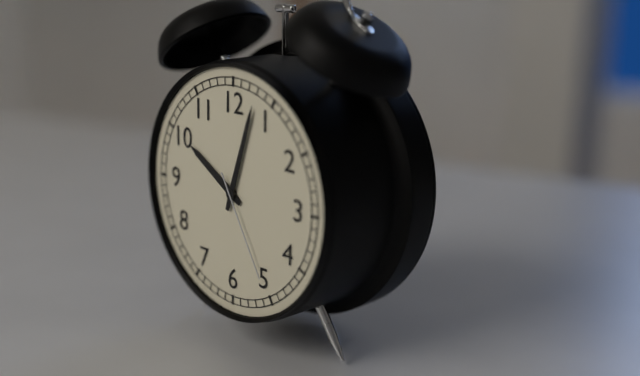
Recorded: {"hour": 10, "minute": 3, "second": 25}
